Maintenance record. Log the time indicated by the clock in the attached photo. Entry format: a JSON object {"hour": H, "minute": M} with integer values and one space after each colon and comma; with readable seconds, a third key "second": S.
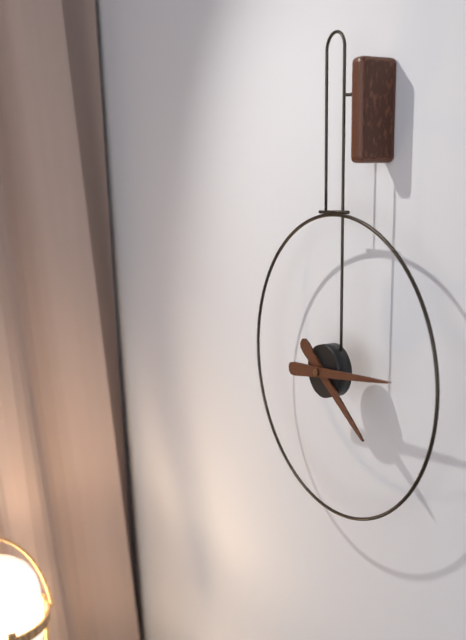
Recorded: {"hour": 4, "minute": 14}
